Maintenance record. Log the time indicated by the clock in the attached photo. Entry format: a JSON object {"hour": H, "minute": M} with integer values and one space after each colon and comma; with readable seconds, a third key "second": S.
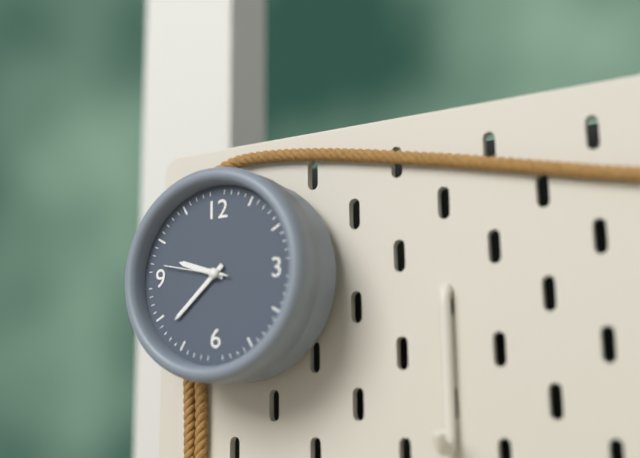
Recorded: {"hour": 9, "minute": 38, "second": 47}
